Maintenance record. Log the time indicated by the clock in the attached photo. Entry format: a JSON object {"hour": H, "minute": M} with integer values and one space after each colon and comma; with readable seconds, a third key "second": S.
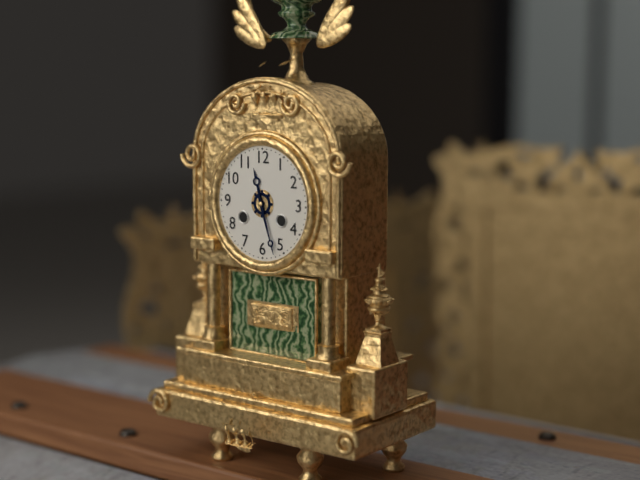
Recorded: {"hour": 11, "minute": 27}
